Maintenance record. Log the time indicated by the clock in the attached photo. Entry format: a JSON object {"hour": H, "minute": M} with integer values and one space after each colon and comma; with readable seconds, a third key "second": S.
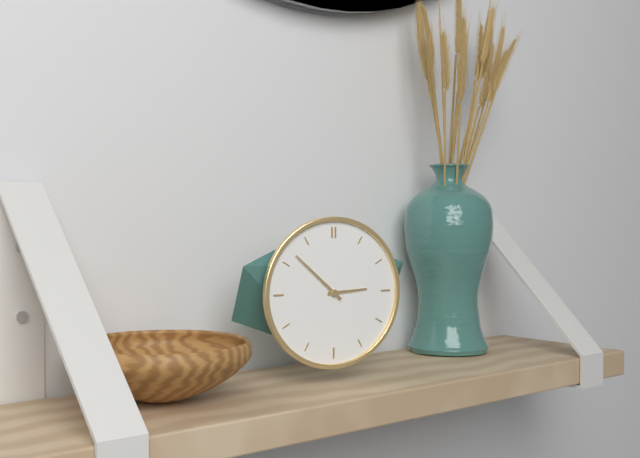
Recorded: {"hour": 2, "minute": 52}
